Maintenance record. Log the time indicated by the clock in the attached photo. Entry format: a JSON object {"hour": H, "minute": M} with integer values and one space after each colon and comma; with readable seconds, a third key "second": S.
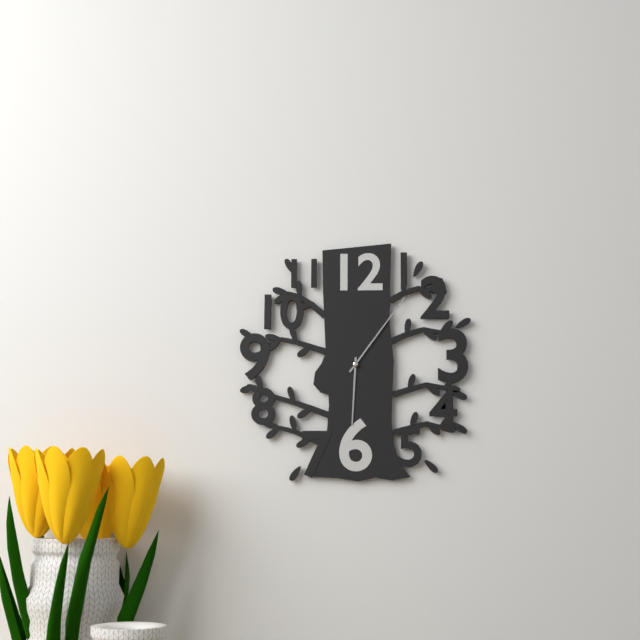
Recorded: {"hour": 6, "minute": 6}
